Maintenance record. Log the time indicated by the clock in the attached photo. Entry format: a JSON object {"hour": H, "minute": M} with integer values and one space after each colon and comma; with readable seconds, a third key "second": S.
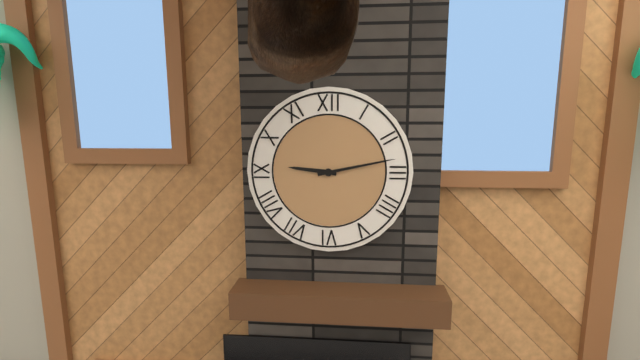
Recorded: {"hour": 9, "minute": 13}
